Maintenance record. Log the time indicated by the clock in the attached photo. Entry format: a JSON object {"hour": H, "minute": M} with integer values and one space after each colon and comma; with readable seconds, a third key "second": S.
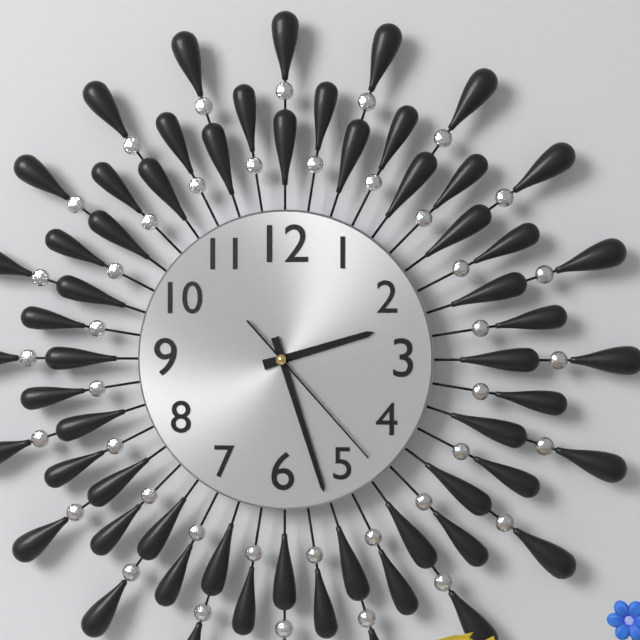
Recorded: {"hour": 2, "minute": 27, "second": 23}
